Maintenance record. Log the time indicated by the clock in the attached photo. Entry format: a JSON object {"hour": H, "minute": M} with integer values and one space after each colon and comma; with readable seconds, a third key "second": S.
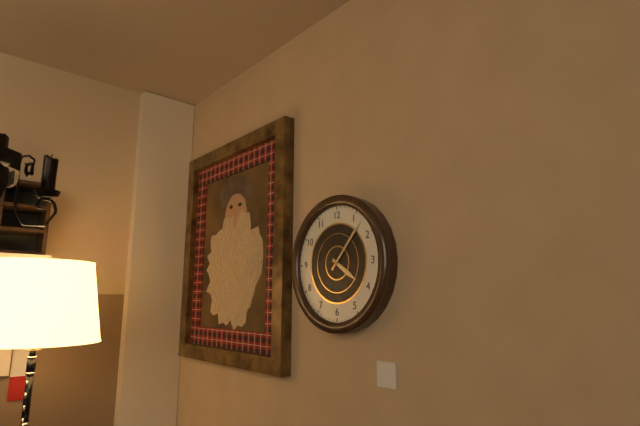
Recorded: {"hour": 4, "minute": 7}
